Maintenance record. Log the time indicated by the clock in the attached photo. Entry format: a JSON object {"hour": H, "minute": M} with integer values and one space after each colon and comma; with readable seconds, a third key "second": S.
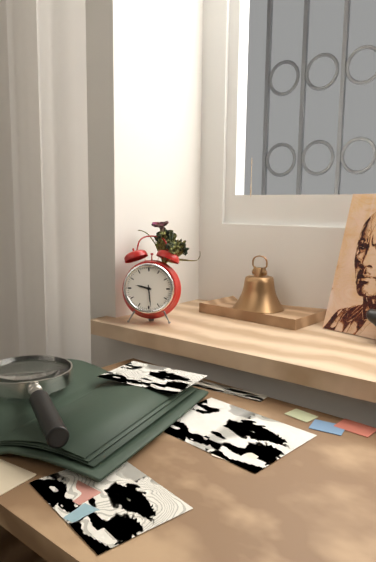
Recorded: {"hour": 9, "minute": 29}
